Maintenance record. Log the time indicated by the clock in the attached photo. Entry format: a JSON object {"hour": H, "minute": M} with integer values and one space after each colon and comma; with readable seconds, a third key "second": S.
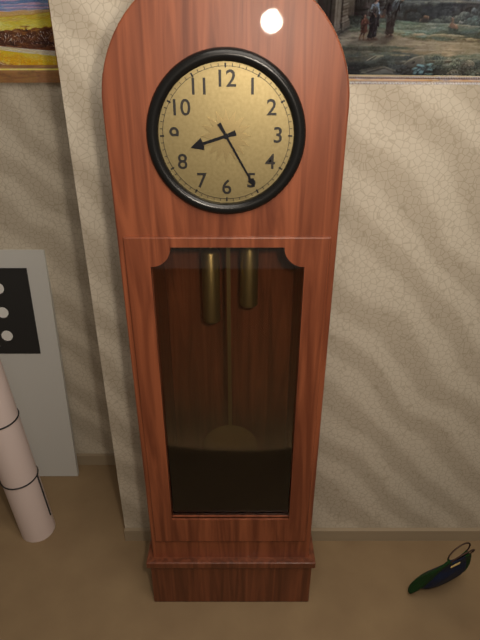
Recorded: {"hour": 8, "minute": 25}
